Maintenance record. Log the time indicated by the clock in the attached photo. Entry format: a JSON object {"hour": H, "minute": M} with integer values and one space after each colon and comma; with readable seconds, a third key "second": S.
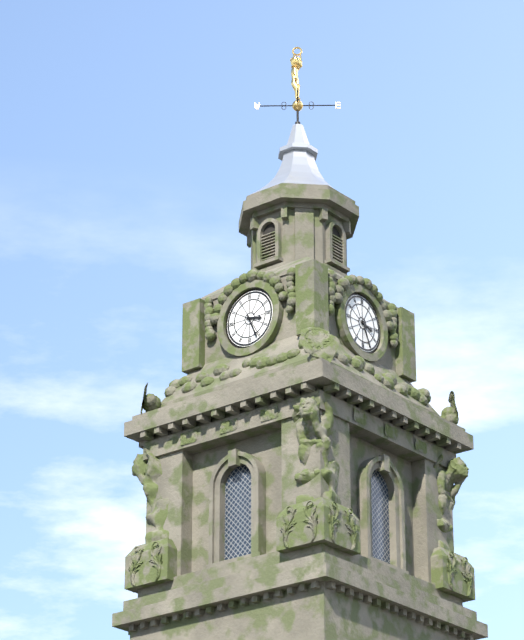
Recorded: {"hour": 3, "minute": 26}
